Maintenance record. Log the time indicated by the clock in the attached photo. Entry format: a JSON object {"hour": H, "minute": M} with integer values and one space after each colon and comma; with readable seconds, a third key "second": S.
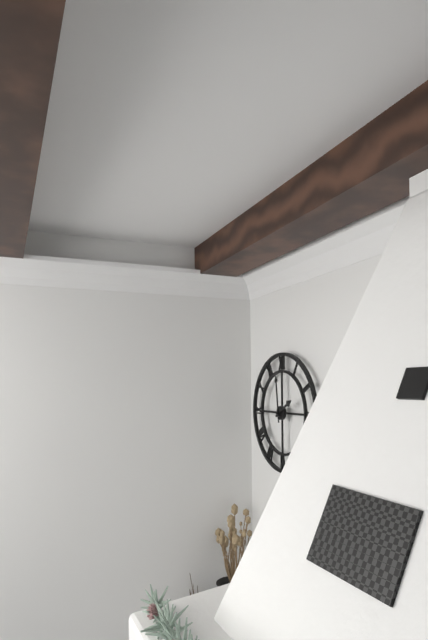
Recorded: {"hour": 1, "minute": 59}
